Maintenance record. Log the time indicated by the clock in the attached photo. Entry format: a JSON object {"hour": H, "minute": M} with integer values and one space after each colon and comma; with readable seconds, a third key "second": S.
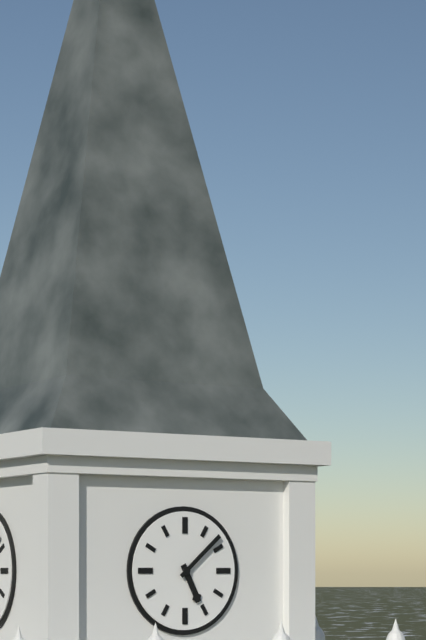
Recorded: {"hour": 5, "minute": 8}
